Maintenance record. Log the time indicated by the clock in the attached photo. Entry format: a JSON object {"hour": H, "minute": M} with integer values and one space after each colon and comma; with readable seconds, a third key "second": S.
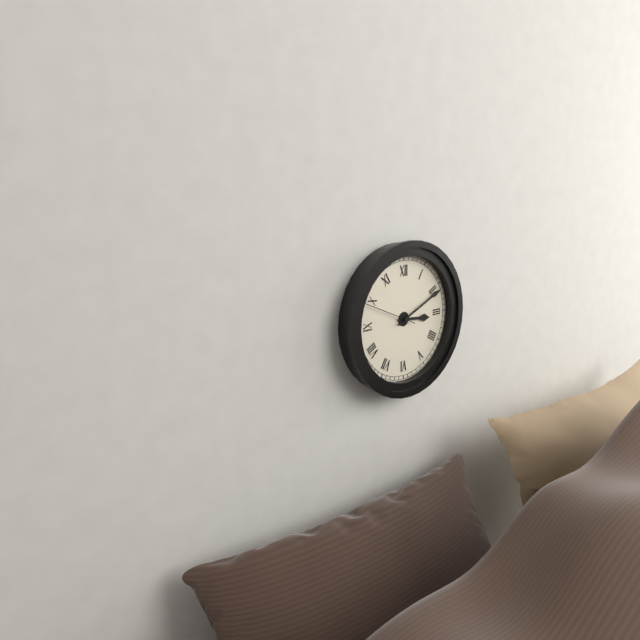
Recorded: {"hour": 3, "minute": 11}
